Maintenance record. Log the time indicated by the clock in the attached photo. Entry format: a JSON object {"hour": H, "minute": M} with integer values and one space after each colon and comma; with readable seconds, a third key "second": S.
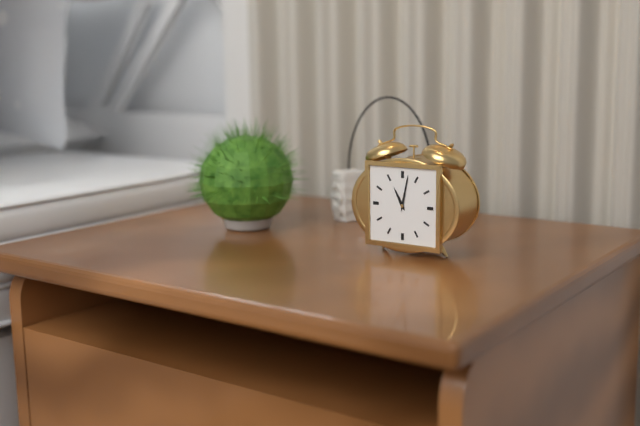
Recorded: {"hour": 11, "minute": 2}
